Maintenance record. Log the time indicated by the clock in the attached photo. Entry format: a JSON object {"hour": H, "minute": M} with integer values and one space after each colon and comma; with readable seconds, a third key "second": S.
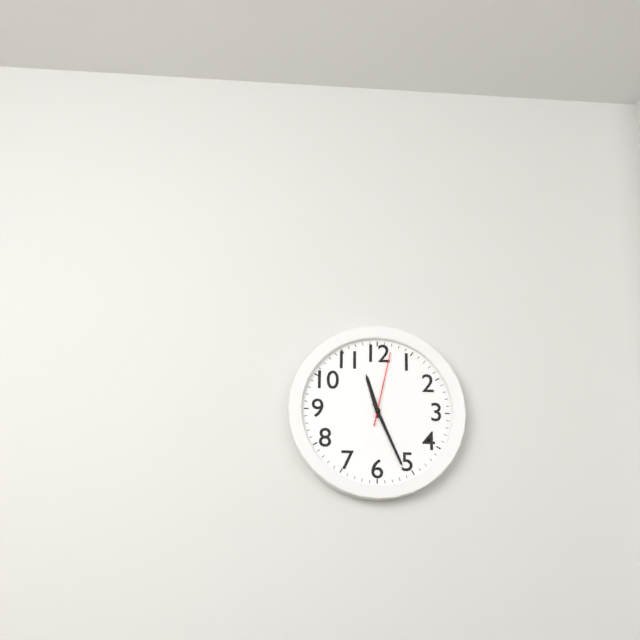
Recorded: {"hour": 11, "minute": 26, "second": 2}
